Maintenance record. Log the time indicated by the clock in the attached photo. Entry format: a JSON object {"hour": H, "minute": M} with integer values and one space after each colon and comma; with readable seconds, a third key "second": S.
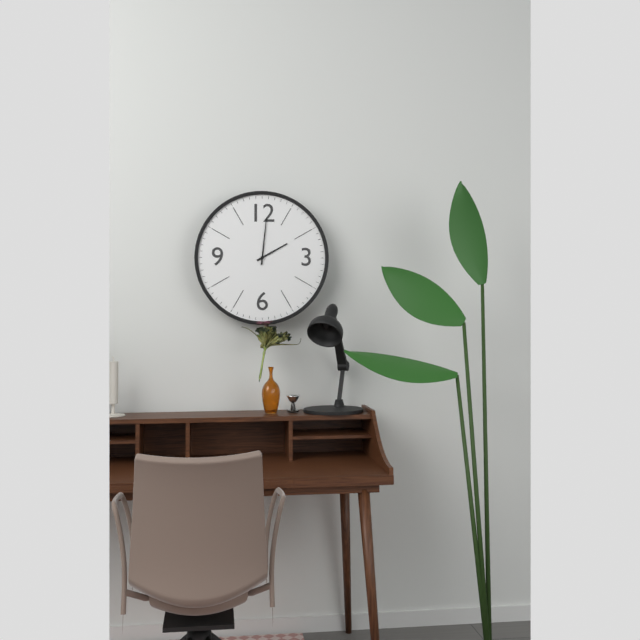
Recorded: {"hour": 2, "minute": 1}
